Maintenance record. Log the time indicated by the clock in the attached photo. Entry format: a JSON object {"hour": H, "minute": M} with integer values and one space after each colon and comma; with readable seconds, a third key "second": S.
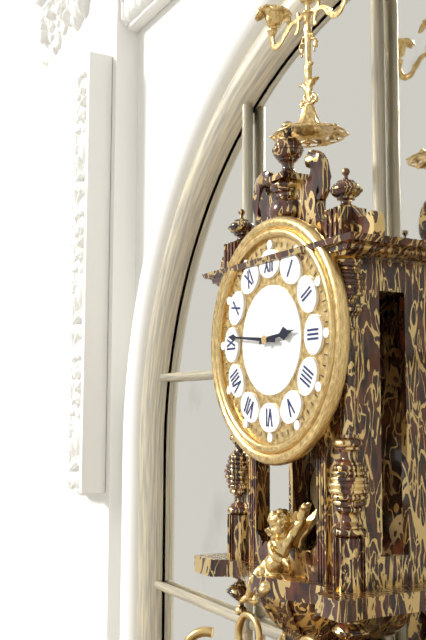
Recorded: {"hour": 2, "minute": 46}
